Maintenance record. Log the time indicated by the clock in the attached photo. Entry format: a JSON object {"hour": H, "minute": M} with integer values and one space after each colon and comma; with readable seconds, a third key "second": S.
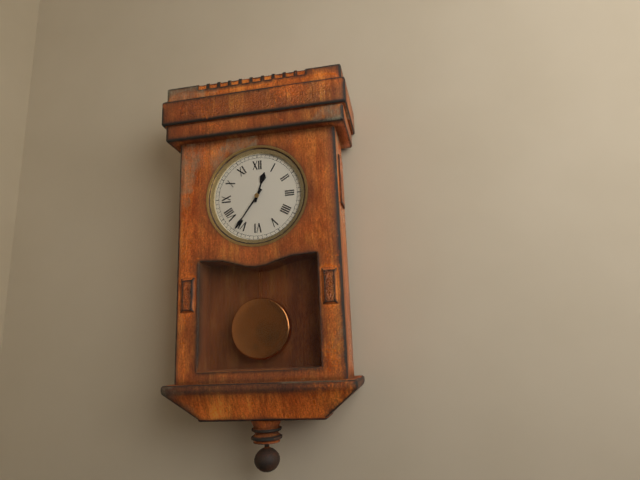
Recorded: {"hour": 12, "minute": 36}
